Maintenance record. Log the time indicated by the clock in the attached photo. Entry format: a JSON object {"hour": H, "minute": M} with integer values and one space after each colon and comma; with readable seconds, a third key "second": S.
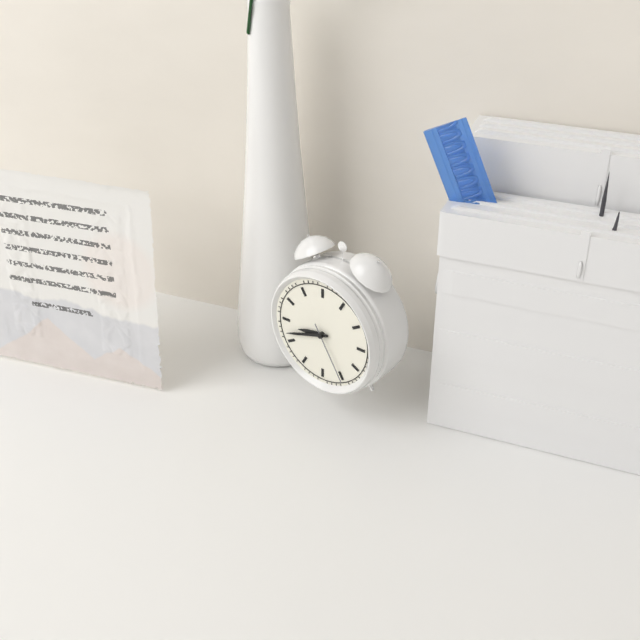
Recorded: {"hour": 8, "minute": 42, "second": 25}
